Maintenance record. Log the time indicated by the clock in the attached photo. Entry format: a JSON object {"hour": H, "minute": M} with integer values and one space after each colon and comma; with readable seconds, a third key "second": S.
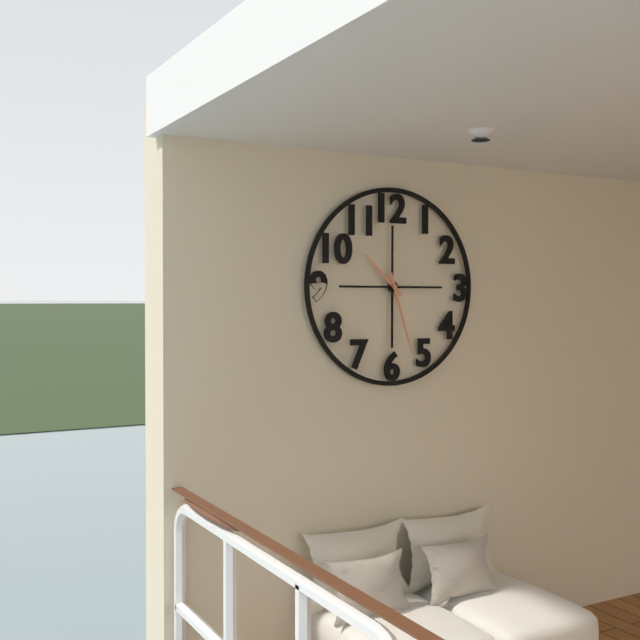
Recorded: {"hour": 10, "minute": 27}
